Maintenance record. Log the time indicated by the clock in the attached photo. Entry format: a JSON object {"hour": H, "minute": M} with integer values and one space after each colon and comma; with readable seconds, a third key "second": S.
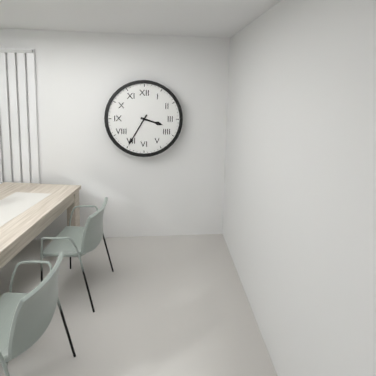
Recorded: {"hour": 3, "minute": 35}
